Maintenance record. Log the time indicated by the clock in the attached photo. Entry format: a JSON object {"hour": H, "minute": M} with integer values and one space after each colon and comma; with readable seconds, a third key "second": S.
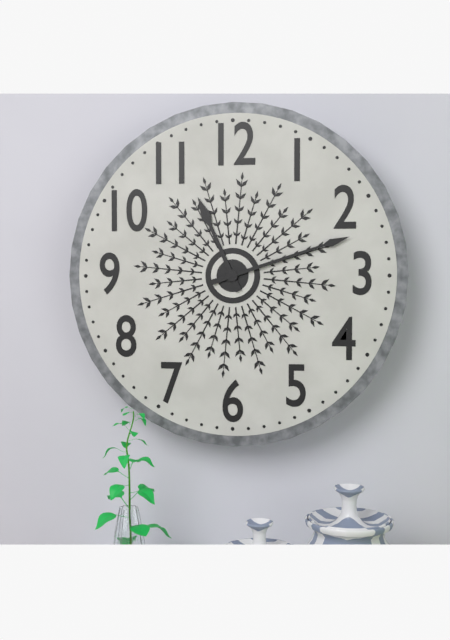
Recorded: {"hour": 11, "minute": 12}
